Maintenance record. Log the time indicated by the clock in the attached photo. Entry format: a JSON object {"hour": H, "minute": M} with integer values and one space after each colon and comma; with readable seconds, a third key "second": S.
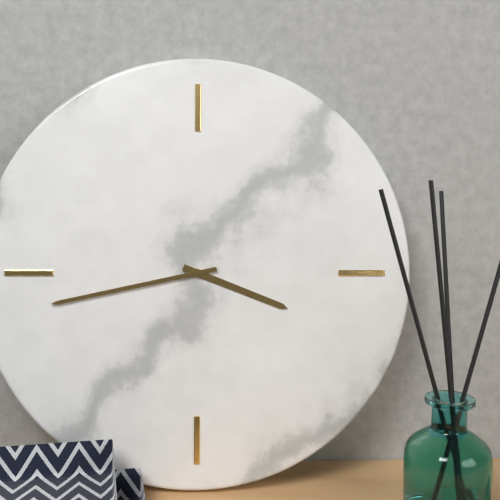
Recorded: {"hour": 3, "minute": 43}
